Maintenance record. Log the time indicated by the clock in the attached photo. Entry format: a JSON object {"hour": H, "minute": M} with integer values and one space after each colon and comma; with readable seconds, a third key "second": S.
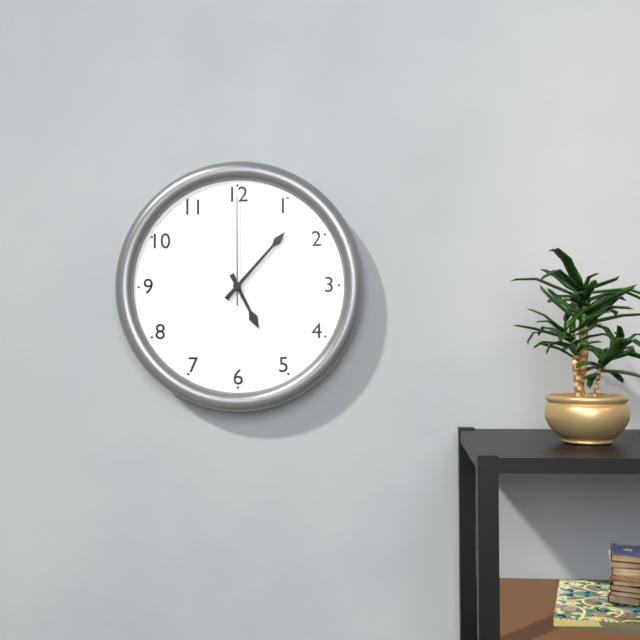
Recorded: {"hour": 5, "minute": 7, "second": 0}
